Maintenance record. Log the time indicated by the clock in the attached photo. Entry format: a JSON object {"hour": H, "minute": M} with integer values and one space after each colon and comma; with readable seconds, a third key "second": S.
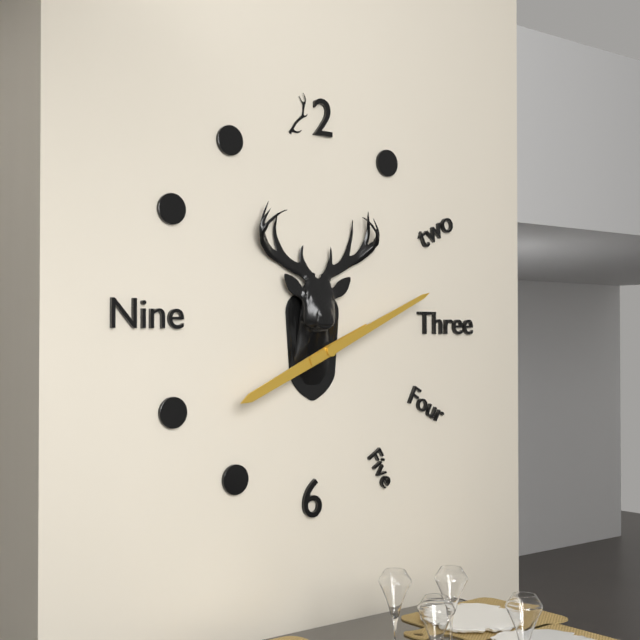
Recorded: {"hour": 8, "minute": 11}
